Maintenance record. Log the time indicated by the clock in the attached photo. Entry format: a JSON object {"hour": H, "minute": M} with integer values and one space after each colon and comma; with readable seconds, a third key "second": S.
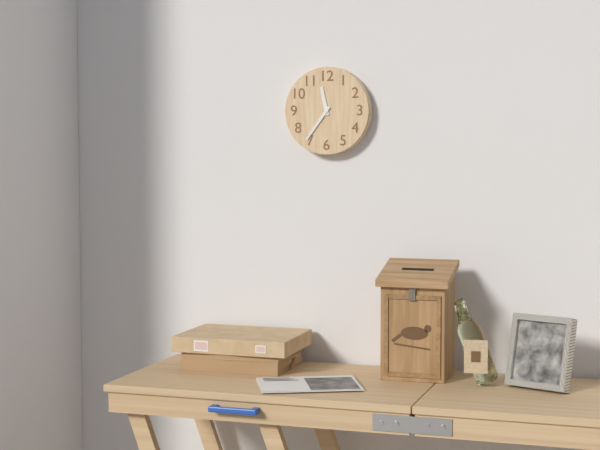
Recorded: {"hour": 11, "minute": 36}
